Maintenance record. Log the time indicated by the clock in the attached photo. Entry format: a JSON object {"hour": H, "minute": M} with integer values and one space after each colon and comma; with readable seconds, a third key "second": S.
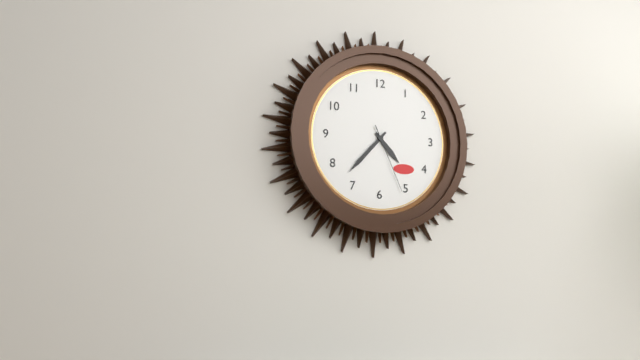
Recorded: {"hour": 4, "minute": 37, "second": 26}
